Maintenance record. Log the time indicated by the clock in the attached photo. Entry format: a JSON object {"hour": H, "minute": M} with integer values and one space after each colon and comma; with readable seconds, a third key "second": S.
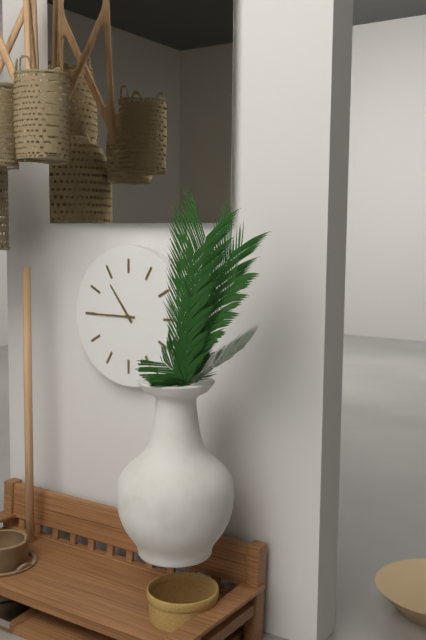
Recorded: {"hour": 10, "minute": 45}
